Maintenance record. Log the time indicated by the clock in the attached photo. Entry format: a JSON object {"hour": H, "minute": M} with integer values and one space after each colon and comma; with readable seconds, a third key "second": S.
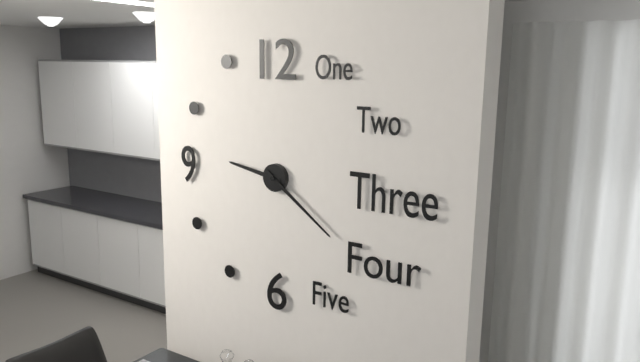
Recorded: {"hour": 9, "minute": 21}
